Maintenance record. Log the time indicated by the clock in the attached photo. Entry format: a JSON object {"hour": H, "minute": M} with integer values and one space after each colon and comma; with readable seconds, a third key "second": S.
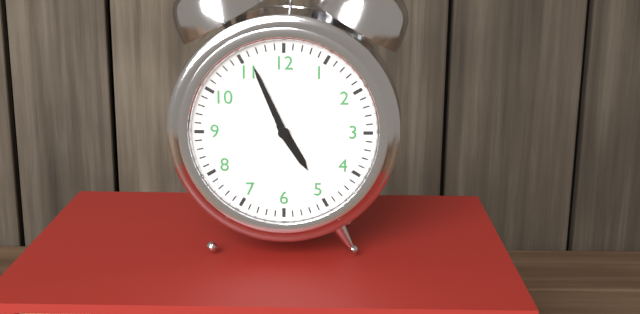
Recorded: {"hour": 4, "minute": 56}
